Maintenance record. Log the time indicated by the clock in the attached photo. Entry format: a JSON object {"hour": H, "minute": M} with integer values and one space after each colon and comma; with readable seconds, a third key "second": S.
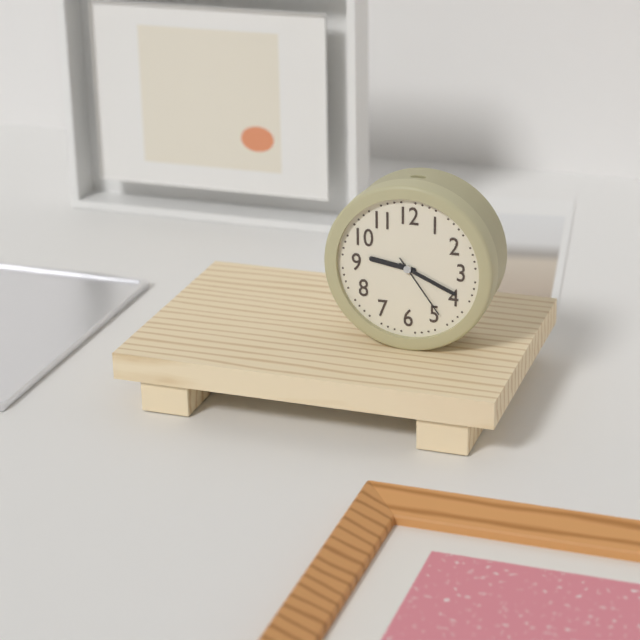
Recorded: {"hour": 9, "minute": 19, "second": 24}
